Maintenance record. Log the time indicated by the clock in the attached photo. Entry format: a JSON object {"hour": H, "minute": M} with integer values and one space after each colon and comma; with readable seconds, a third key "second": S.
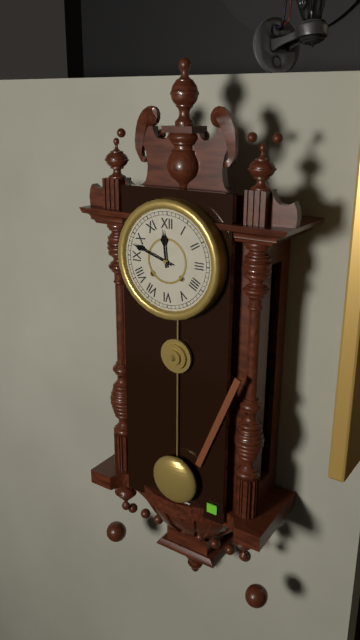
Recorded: {"hour": 11, "minute": 48}
